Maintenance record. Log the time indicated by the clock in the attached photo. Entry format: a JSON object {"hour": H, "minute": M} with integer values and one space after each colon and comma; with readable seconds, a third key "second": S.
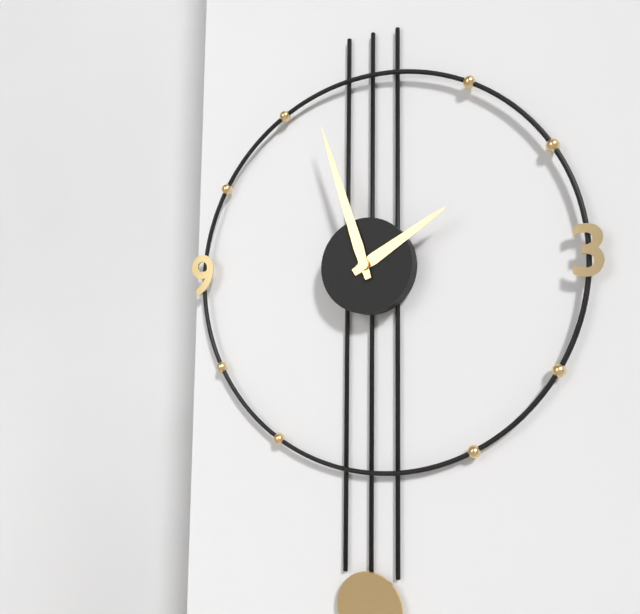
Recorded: {"hour": 1, "minute": 57}
